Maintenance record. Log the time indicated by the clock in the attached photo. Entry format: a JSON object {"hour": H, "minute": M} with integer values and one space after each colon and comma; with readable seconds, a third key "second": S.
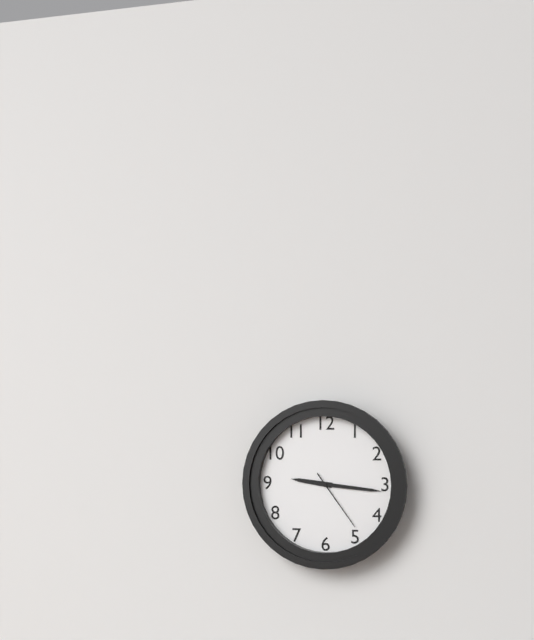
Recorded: {"hour": 9, "minute": 16, "second": 24}
